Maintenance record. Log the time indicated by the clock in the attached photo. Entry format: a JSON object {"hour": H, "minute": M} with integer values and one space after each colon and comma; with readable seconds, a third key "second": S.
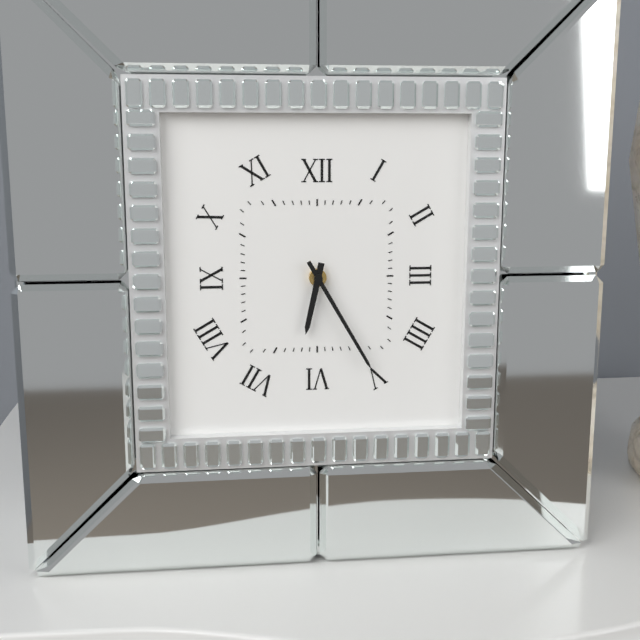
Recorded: {"hour": 6, "minute": 25}
